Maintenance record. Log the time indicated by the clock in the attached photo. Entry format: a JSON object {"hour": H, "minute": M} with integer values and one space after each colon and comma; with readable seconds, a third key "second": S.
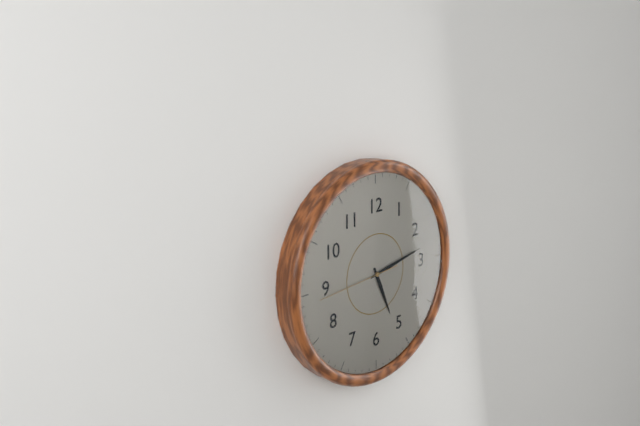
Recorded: {"hour": 5, "minute": 13, "second": 44}
